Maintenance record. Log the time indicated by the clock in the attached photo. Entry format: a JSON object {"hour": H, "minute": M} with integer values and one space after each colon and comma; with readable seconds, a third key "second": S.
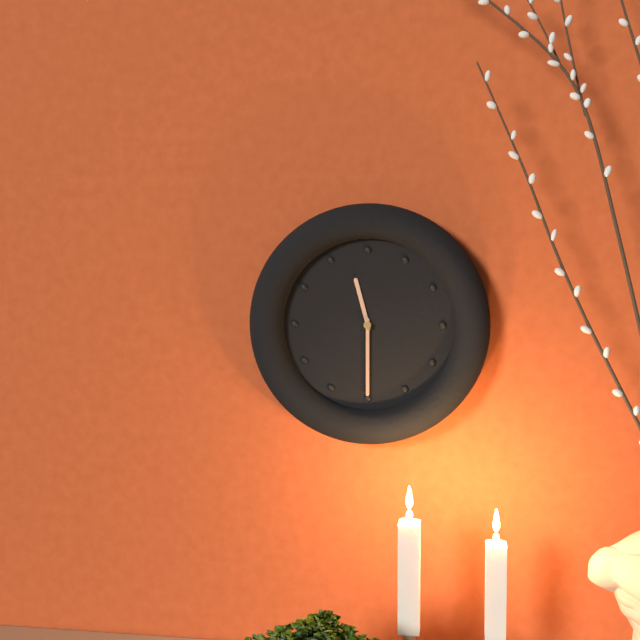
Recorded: {"hour": 11, "minute": 30}
